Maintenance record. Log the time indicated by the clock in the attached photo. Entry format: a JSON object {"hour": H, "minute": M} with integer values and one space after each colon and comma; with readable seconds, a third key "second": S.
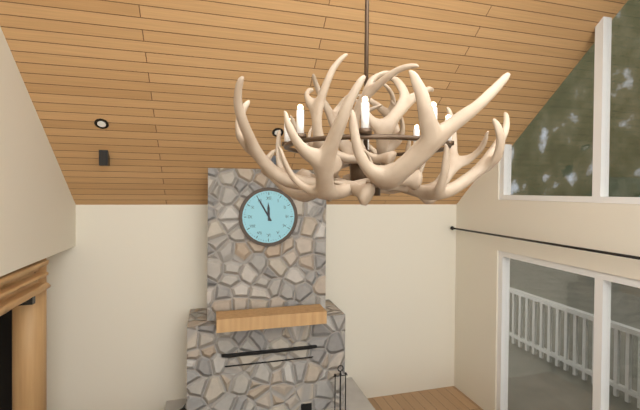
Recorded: {"hour": 11, "minute": 55}
